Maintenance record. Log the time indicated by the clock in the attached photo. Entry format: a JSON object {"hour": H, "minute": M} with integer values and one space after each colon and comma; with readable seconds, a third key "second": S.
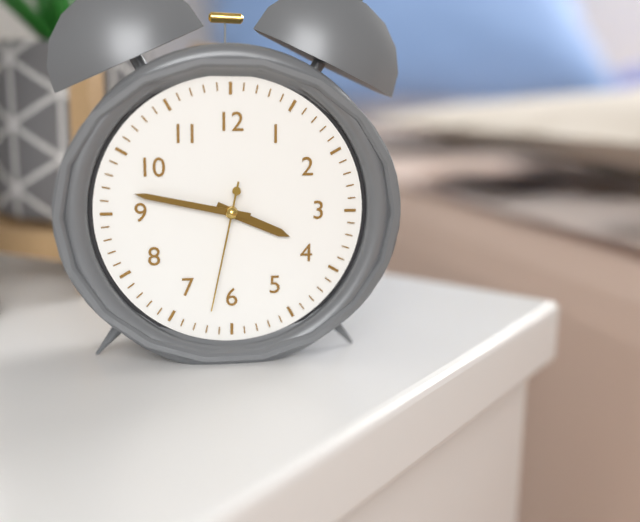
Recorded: {"hour": 3, "minute": 47, "second": 32}
